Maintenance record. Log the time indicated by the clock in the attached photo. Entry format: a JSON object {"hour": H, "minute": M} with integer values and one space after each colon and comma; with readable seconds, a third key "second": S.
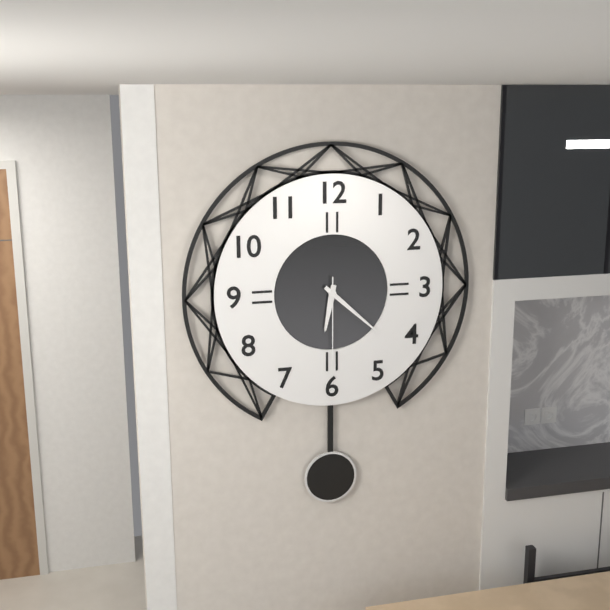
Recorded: {"hour": 6, "minute": 22, "second": 30}
